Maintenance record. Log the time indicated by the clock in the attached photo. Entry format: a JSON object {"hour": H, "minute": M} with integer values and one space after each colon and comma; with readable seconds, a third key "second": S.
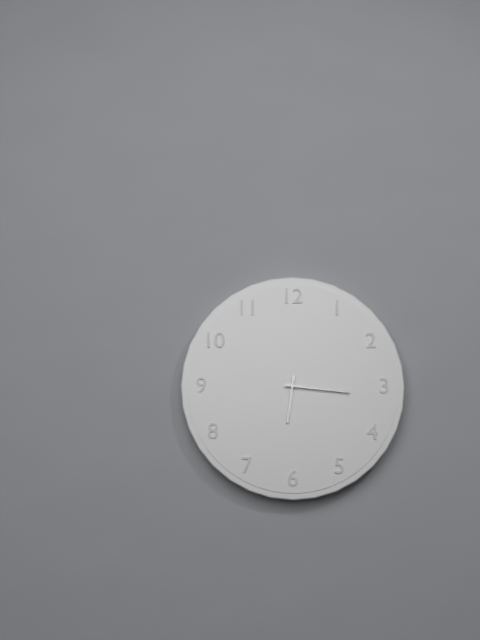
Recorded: {"hour": 6, "minute": 16}
